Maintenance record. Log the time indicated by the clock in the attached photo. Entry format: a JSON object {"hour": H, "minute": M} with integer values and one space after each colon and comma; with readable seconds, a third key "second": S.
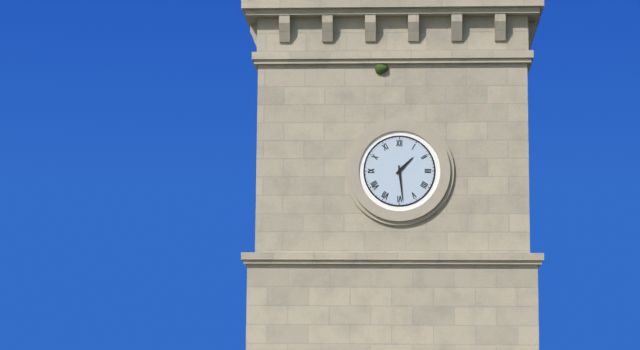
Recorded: {"hour": 1, "minute": 29}
